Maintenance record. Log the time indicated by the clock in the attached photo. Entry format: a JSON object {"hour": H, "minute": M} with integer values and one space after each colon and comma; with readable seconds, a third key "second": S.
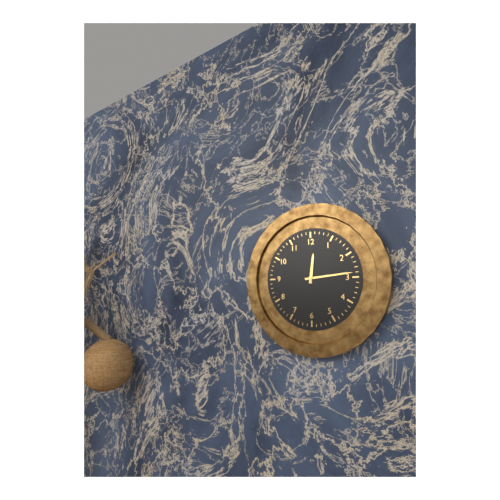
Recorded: {"hour": 12, "minute": 14}
